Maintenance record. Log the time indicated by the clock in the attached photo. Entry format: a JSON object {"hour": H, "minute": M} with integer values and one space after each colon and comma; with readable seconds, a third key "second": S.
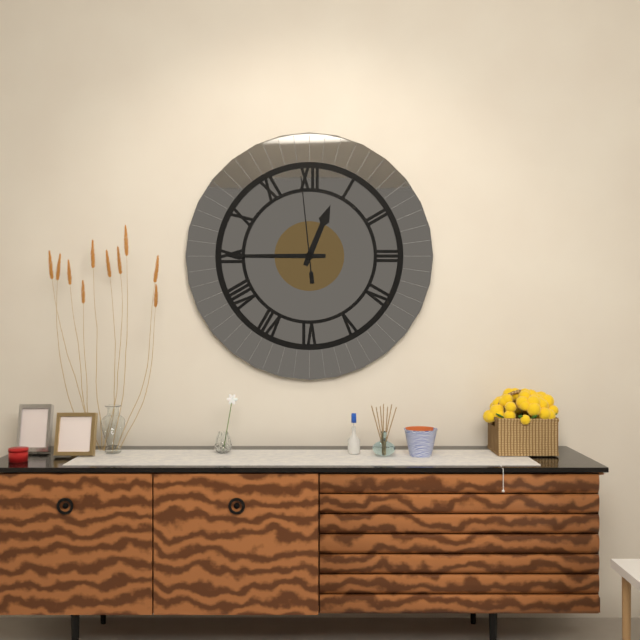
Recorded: {"hour": 12, "minute": 45, "second": 59}
